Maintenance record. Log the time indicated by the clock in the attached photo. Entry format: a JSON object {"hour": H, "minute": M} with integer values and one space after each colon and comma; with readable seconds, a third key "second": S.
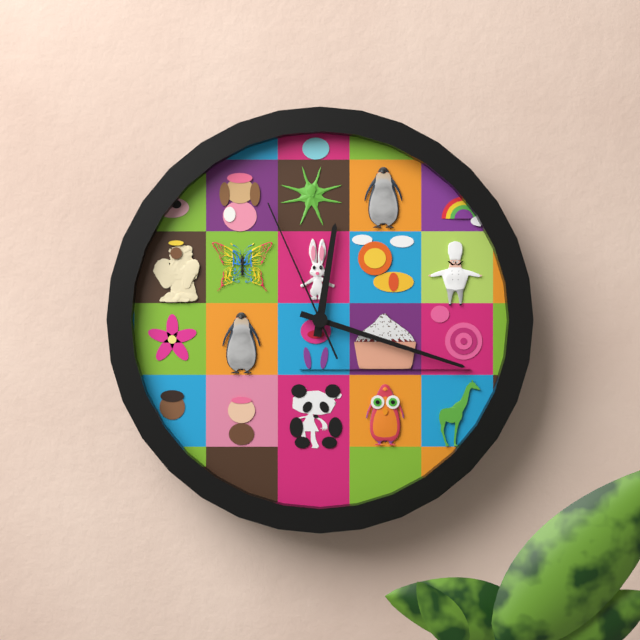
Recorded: {"hour": 12, "minute": 18, "second": 56}
